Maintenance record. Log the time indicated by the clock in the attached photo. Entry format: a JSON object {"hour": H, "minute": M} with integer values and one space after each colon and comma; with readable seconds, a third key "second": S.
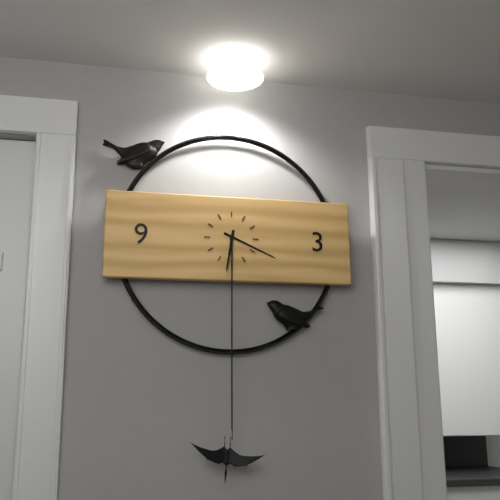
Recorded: {"hour": 6, "minute": 19}
